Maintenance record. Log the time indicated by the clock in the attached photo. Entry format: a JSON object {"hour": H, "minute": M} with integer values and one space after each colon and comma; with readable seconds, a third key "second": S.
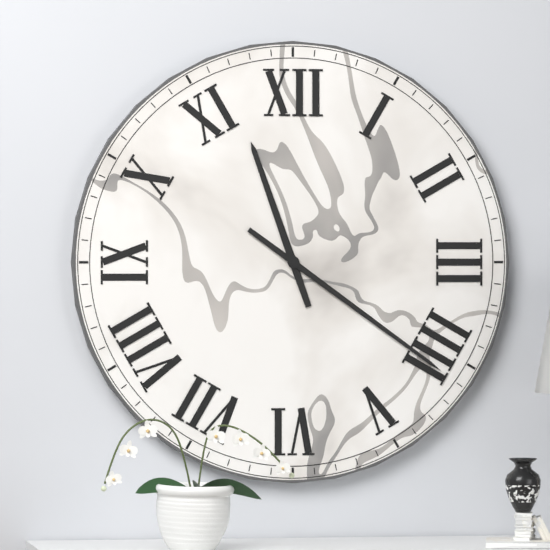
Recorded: {"hour": 11, "minute": 21}
